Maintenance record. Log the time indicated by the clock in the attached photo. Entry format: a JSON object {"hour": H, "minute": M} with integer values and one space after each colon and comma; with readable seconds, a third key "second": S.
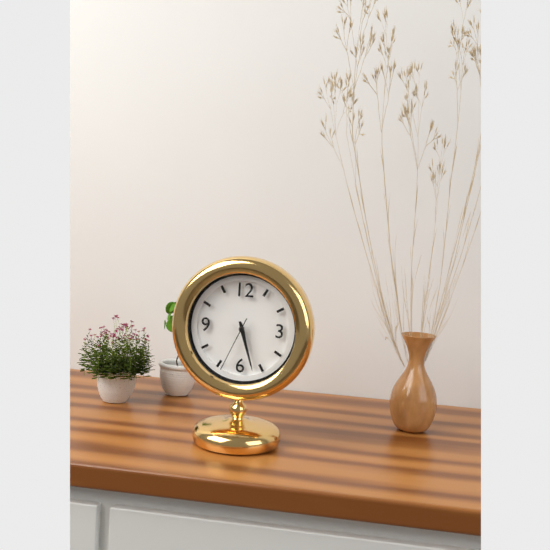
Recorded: {"hour": 5, "minute": 27, "second": 34}
